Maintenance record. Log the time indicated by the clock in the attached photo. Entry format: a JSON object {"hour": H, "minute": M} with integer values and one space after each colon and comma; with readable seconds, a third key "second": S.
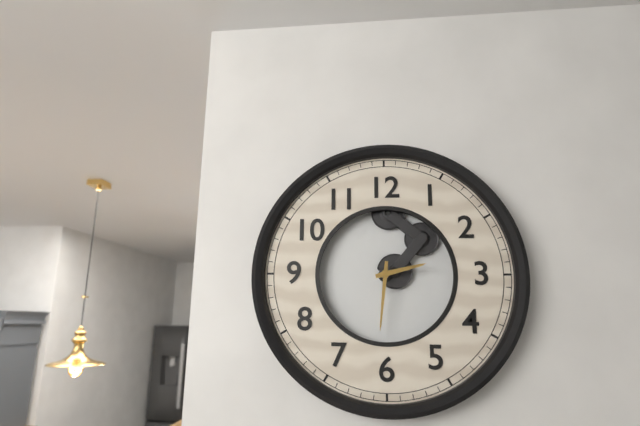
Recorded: {"hour": 2, "minute": 31}
